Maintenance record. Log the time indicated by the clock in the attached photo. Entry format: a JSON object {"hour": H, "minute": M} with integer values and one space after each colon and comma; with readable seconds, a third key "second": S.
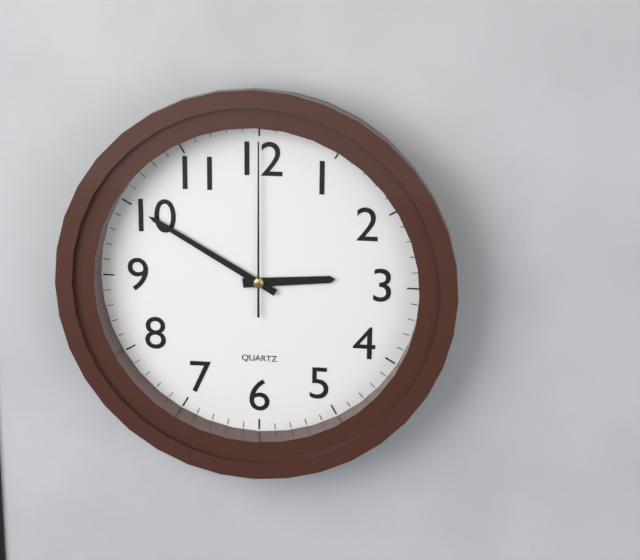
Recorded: {"hour": 2, "minute": 50, "second": 0}
